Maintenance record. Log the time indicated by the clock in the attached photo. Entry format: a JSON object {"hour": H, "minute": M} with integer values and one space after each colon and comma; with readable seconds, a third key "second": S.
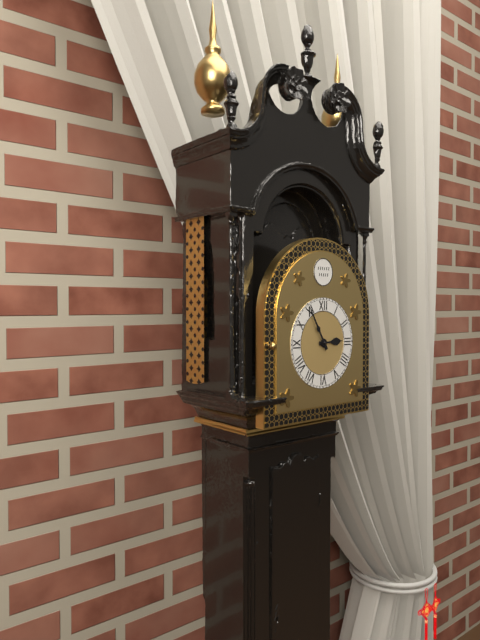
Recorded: {"hour": 2, "minute": 55}
